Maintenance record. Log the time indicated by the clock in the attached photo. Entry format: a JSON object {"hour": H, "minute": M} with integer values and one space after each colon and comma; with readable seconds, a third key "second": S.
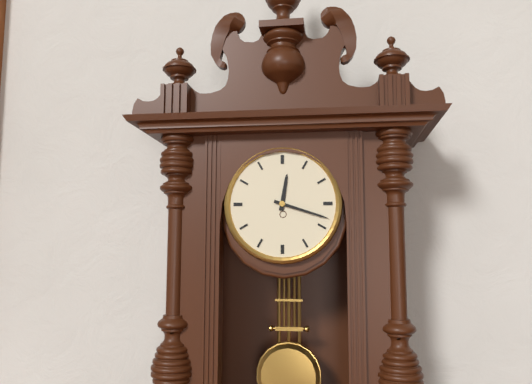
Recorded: {"hour": 12, "minute": 18}
